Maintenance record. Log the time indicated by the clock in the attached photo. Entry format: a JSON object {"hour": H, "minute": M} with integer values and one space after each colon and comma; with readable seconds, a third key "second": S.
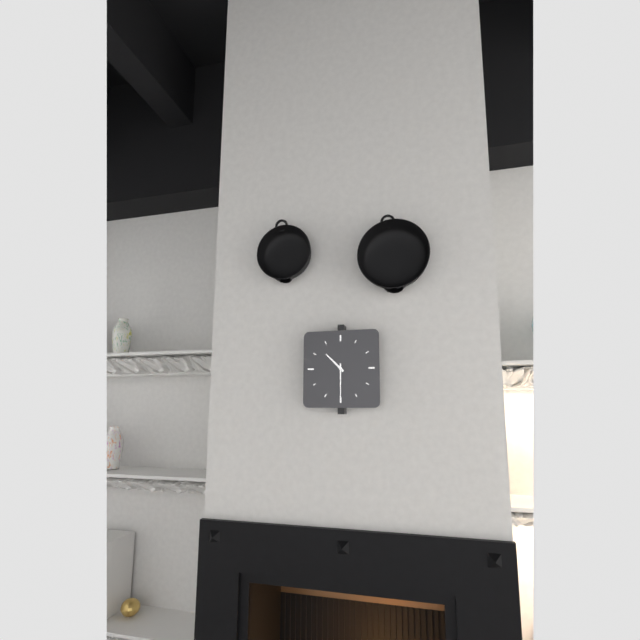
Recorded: {"hour": 10, "minute": 30}
